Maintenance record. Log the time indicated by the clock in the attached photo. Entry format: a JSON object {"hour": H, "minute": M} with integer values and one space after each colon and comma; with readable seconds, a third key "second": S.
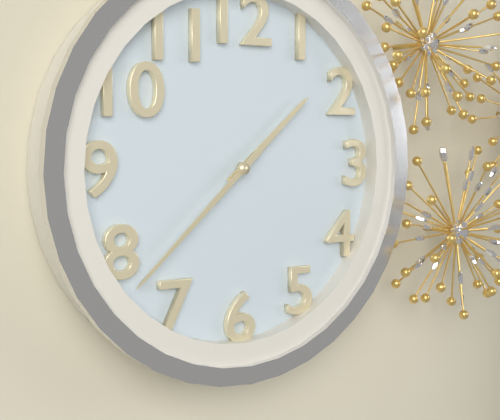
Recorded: {"hour": 1, "minute": 38}
